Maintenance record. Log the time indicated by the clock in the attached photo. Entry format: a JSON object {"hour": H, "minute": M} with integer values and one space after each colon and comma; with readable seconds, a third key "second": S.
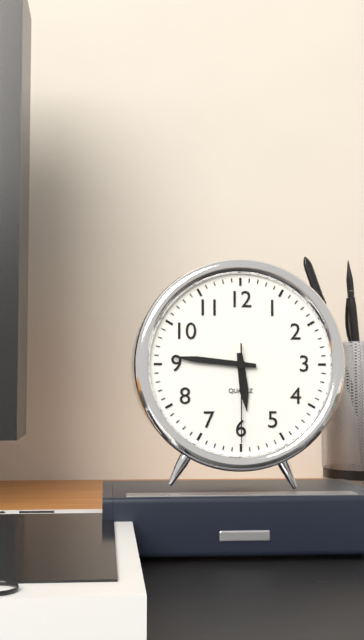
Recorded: {"hour": 5, "minute": 46, "second": 30}
